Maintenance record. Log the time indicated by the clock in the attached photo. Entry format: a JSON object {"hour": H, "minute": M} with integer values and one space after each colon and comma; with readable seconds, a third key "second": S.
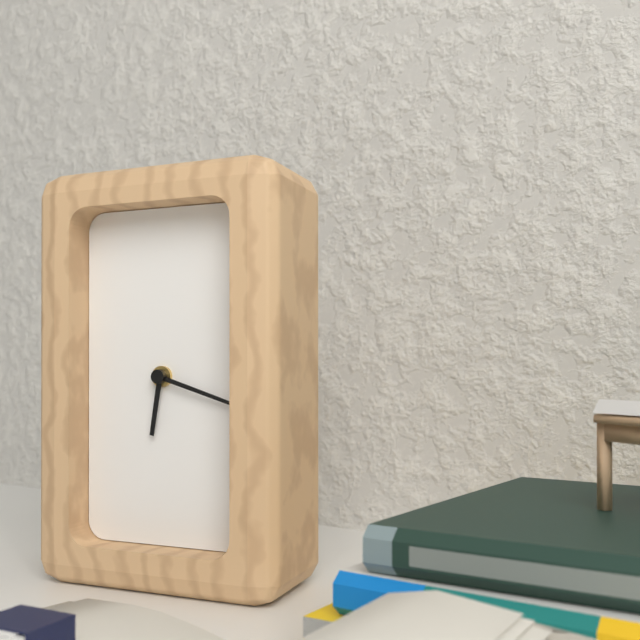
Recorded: {"hour": 6, "minute": 18}
